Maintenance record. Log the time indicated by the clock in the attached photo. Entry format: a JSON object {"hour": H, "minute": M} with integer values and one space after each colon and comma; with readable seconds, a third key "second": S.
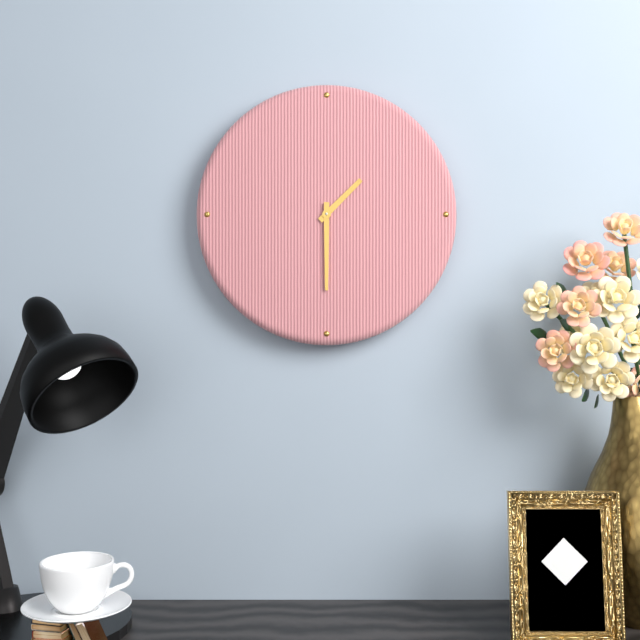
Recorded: {"hour": 1, "minute": 30}
